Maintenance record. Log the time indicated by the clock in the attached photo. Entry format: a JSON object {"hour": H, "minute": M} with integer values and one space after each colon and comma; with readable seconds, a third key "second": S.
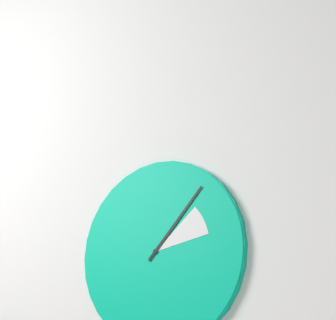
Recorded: {"hour": 2, "minute": 7}
